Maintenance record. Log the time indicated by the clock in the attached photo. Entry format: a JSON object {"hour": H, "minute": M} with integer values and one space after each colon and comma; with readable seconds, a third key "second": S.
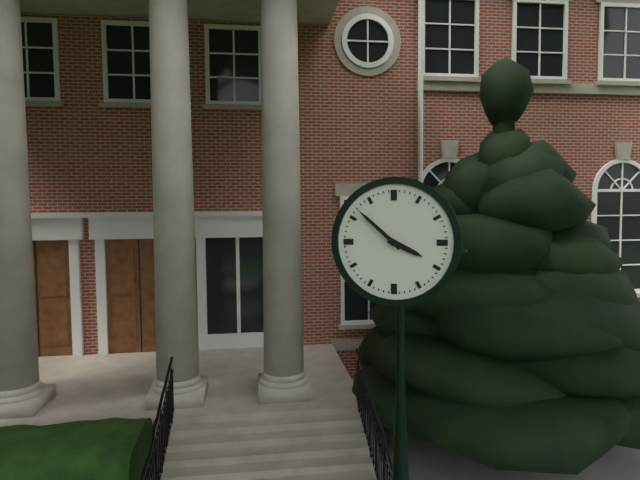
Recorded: {"hour": 3, "minute": 52}
